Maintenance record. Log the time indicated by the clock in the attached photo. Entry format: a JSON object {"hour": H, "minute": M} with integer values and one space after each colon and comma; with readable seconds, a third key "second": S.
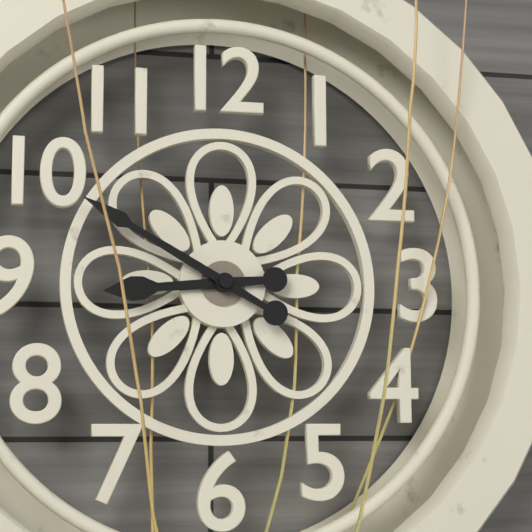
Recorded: {"hour": 8, "minute": 50}
